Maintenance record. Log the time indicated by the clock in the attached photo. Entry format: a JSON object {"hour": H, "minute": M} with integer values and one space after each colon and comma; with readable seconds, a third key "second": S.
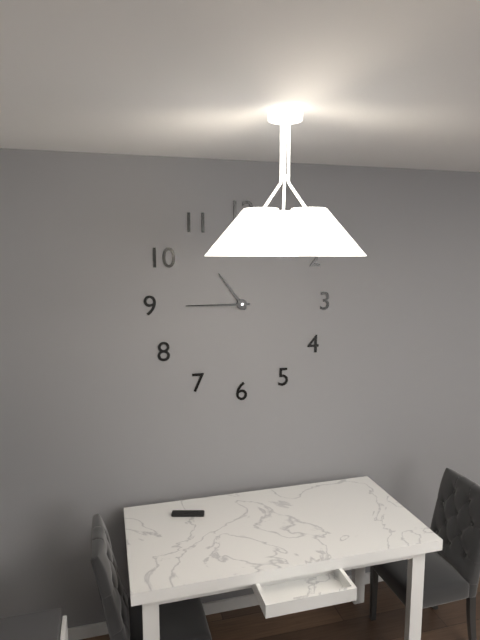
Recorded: {"hour": 10, "minute": 45}
